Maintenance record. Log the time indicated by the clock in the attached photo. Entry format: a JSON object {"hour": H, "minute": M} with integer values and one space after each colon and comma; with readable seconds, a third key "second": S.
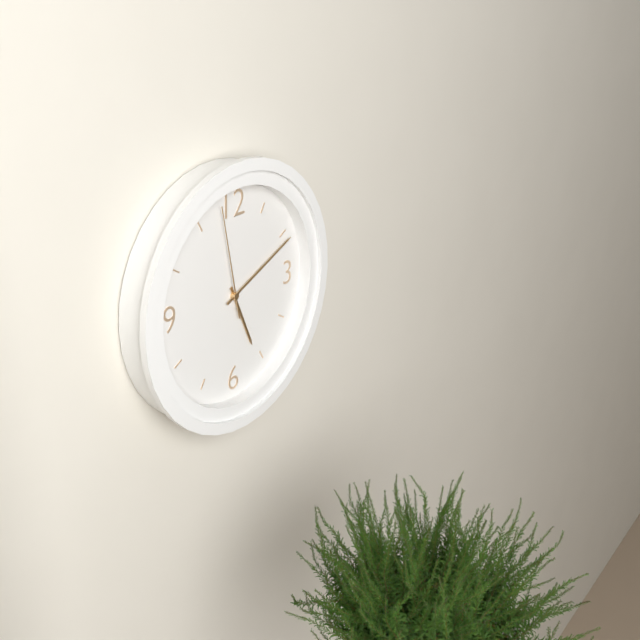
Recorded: {"hour": 5, "minute": 11, "second": 58}
